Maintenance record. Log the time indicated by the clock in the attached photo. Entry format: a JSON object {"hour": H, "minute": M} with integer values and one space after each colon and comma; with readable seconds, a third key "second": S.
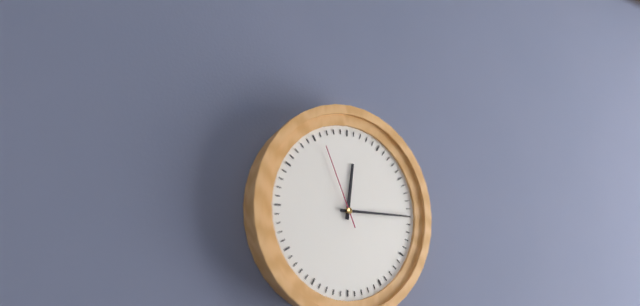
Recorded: {"hour": 12, "minute": 15, "second": 56}
